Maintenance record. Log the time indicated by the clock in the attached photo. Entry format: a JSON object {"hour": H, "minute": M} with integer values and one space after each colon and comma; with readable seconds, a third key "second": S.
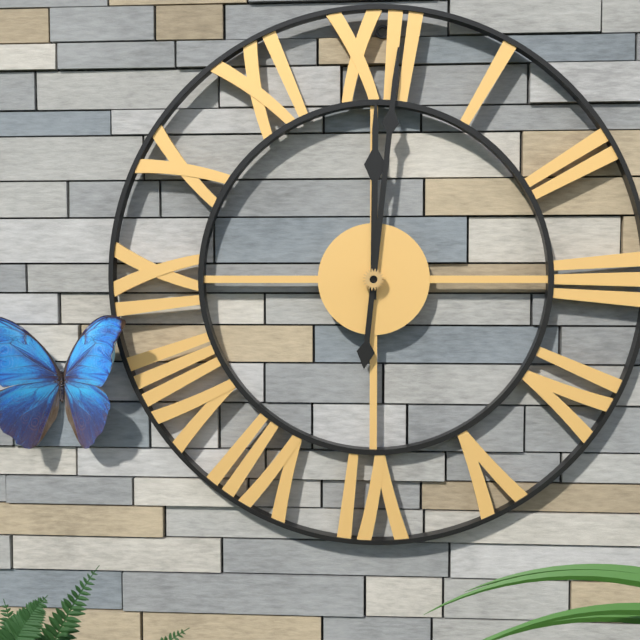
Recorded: {"hour": 12, "minute": 1}
